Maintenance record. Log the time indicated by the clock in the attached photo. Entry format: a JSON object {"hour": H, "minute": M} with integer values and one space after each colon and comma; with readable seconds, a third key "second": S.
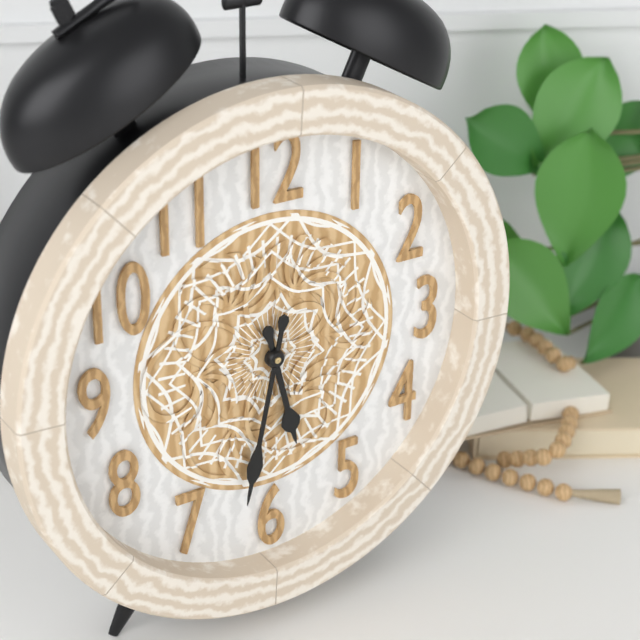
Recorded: {"hour": 5, "minute": 32}
